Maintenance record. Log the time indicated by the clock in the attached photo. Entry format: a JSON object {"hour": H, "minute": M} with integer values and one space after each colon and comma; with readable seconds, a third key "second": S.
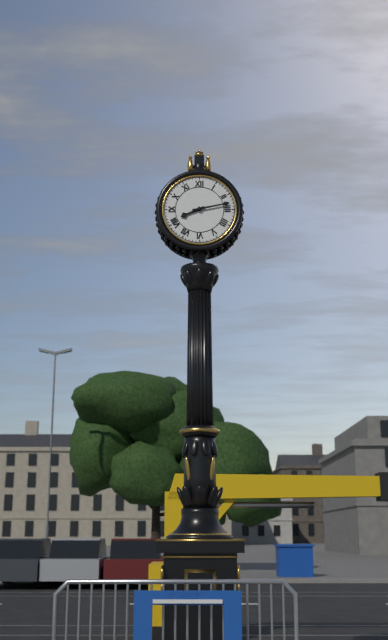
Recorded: {"hour": 8, "minute": 13}
